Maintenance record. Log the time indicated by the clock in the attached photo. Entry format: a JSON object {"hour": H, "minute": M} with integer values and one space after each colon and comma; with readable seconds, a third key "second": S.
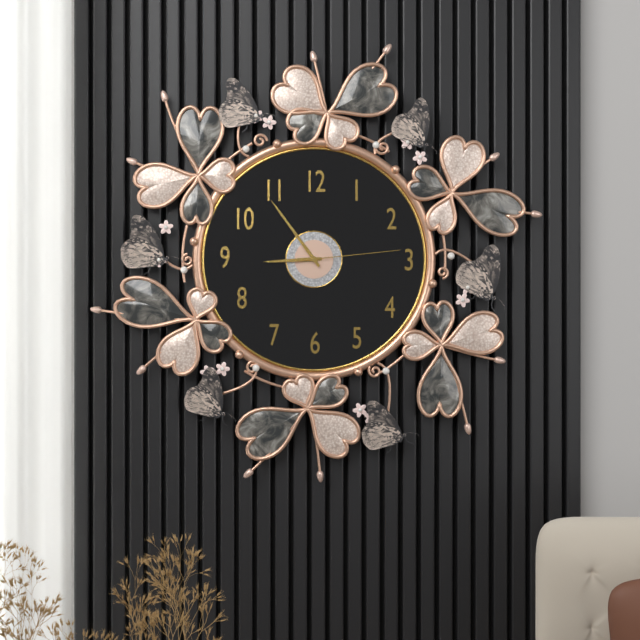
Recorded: {"hour": 8, "minute": 54, "second": 14}
